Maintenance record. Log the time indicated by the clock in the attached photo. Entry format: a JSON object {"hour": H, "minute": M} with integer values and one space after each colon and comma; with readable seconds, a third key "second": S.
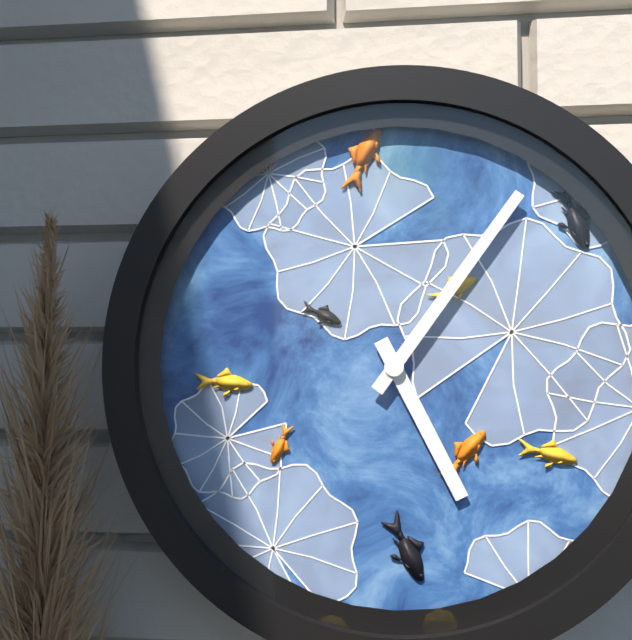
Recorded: {"hour": 5, "minute": 6}
